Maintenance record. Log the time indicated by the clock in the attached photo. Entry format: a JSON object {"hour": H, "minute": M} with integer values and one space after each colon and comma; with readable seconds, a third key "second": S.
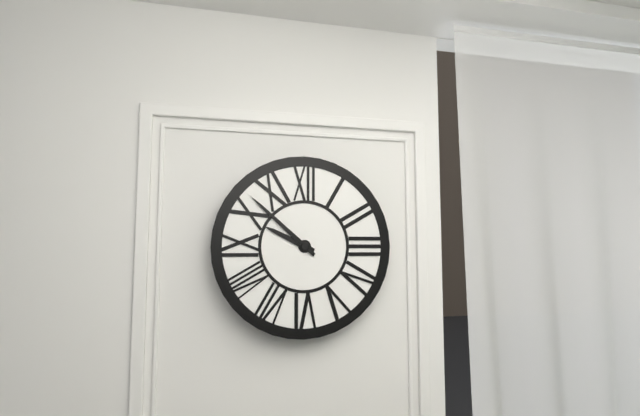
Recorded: {"hour": 9, "minute": 52}
